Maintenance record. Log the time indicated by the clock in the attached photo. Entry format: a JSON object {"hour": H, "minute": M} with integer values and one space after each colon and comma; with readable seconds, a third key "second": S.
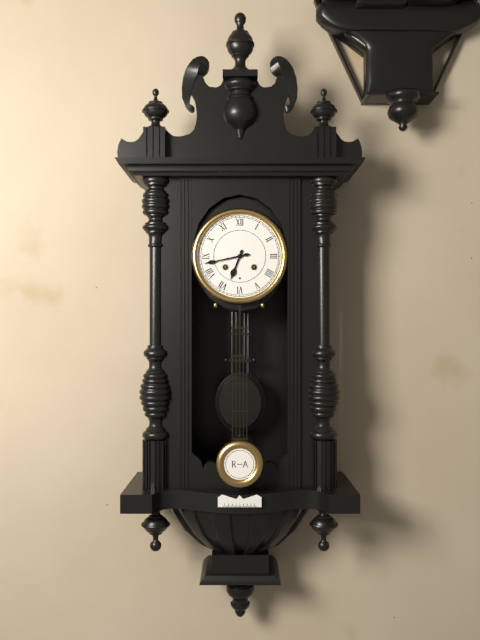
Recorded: {"hour": 6, "minute": 43}
